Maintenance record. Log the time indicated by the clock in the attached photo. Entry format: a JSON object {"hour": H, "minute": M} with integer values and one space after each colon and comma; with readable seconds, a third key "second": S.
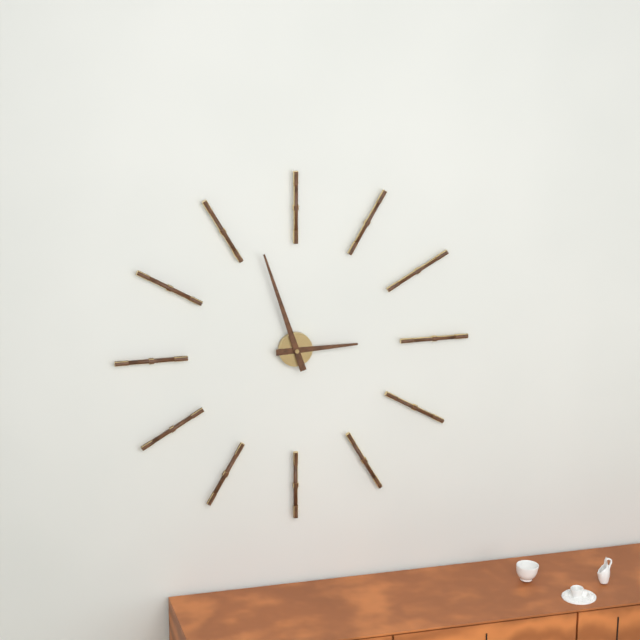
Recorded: {"hour": 2, "minute": 57}
